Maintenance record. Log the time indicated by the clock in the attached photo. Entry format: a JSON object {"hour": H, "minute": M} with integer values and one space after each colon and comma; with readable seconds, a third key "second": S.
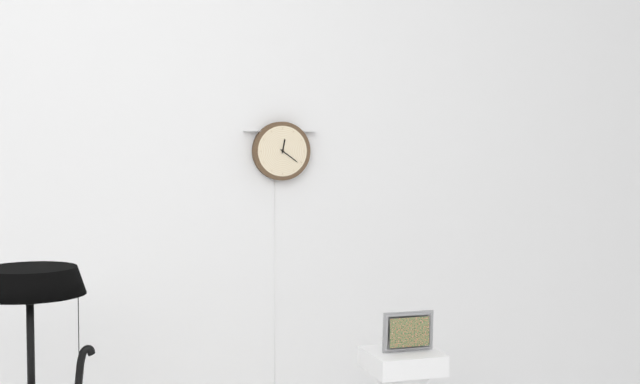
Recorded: {"hour": 12, "minute": 21}
